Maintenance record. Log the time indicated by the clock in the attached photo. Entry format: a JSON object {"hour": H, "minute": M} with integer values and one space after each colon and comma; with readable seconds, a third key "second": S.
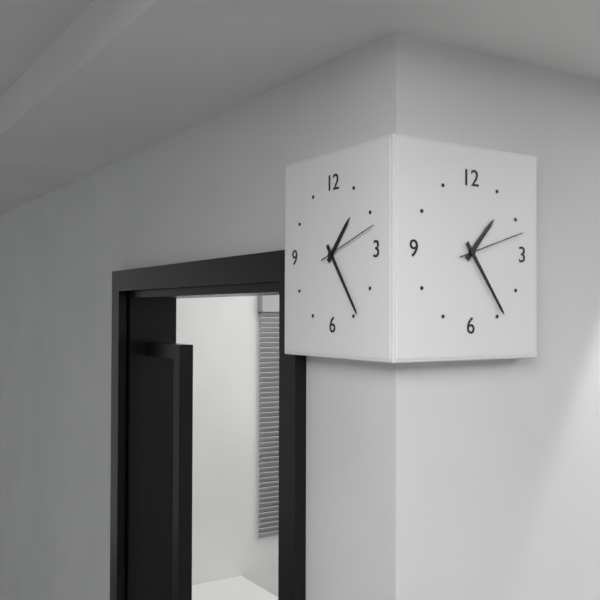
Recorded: {"hour": 1, "minute": 24, "second": 12}
